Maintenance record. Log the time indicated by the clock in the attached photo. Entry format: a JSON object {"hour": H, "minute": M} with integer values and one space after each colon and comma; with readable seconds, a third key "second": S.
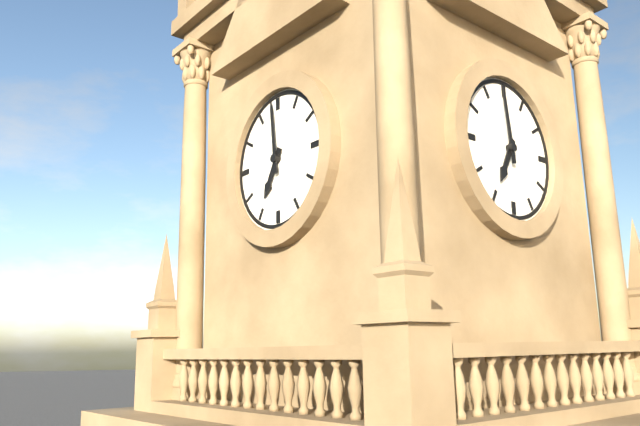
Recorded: {"hour": 6, "minute": 59}
